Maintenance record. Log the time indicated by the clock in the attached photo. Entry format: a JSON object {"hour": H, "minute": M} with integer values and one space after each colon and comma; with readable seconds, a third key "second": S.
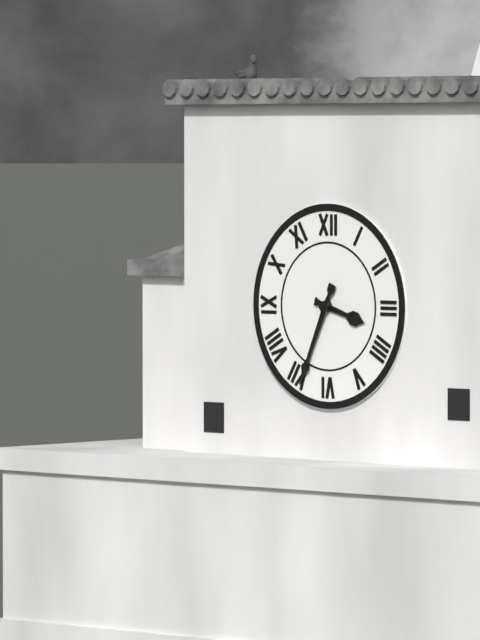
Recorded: {"hour": 3, "minute": 34}
